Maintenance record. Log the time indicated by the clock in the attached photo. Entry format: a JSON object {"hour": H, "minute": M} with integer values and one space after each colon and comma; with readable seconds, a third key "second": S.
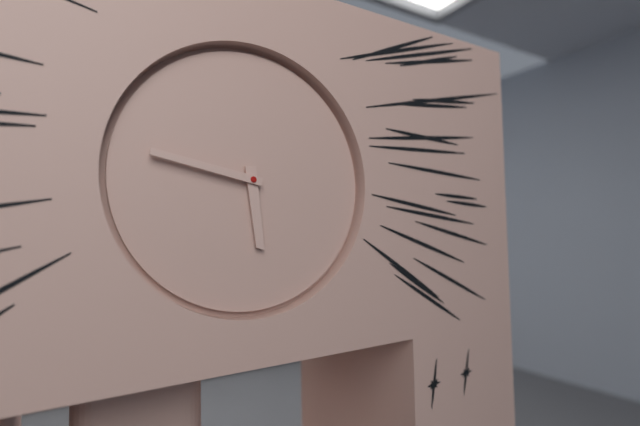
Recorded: {"hour": 5, "minute": 47}
